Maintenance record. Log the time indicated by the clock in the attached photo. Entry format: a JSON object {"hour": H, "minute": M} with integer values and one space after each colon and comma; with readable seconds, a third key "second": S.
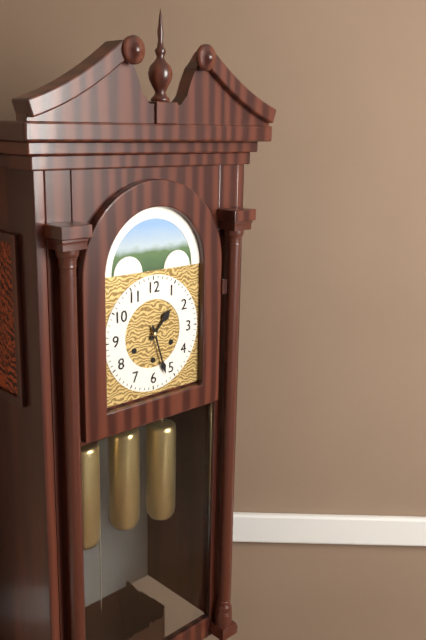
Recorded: {"hour": 1, "minute": 27}
